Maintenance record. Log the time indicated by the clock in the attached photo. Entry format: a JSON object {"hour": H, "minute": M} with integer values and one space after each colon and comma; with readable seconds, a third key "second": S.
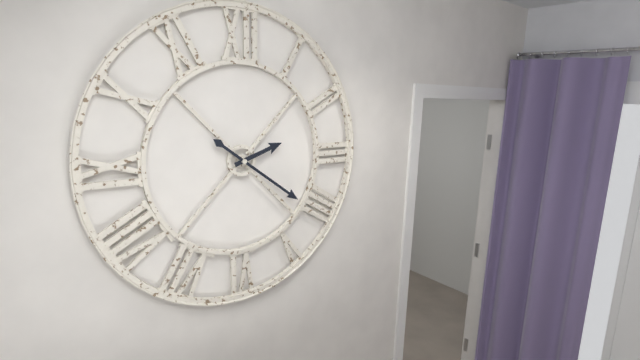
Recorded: {"hour": 2, "minute": 21}
